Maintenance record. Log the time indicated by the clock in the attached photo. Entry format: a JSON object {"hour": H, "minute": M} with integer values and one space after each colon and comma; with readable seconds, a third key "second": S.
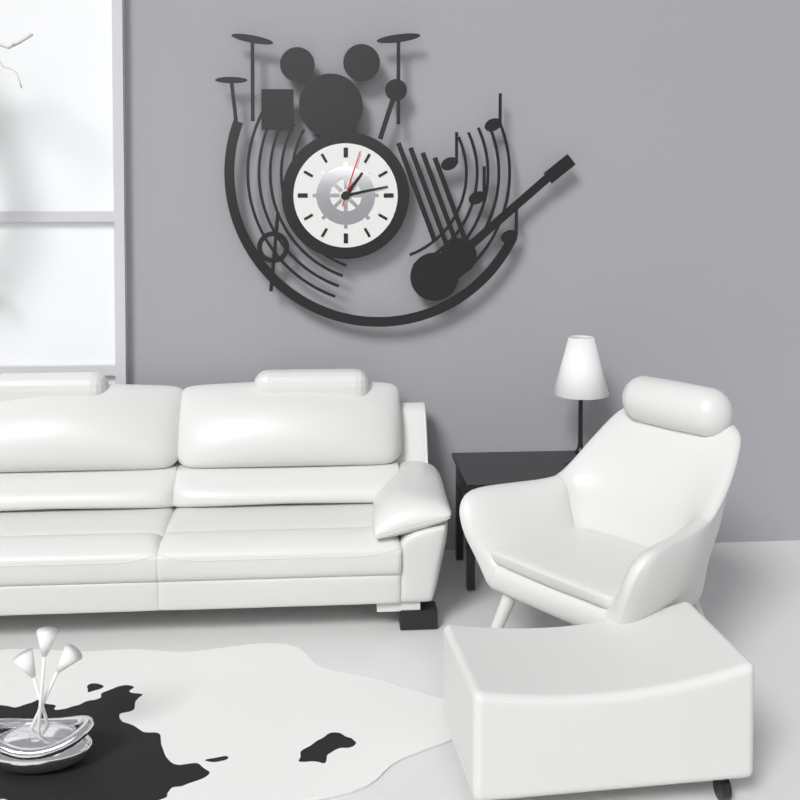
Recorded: {"hour": 1, "minute": 13, "second": 3}
